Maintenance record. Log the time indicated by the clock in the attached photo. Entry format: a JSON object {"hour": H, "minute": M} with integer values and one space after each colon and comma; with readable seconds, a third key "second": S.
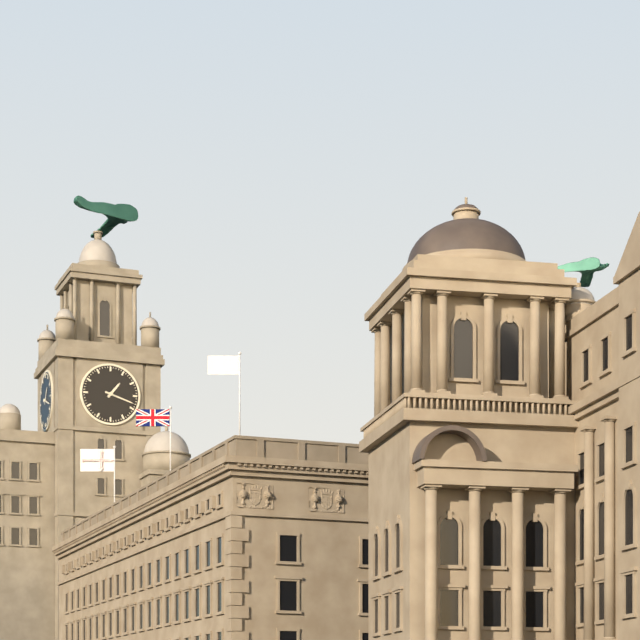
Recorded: {"hour": 1, "minute": 18}
